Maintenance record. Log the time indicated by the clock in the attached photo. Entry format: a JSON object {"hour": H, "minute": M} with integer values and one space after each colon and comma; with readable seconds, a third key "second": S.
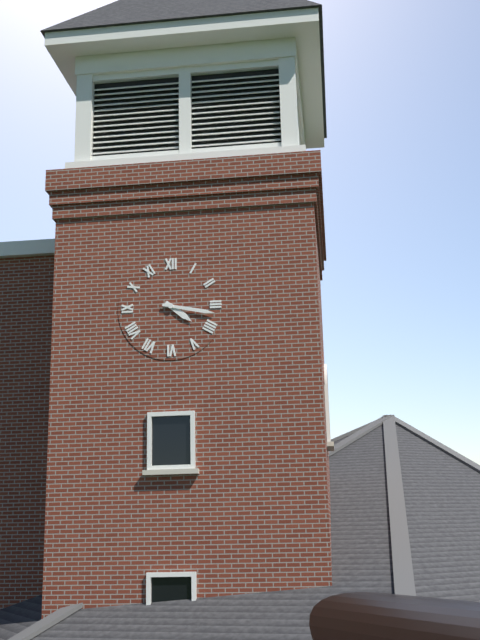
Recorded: {"hour": 4, "minute": 17}
